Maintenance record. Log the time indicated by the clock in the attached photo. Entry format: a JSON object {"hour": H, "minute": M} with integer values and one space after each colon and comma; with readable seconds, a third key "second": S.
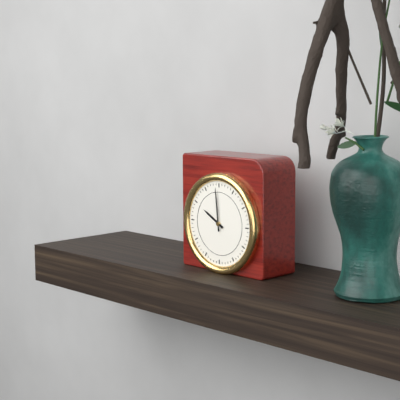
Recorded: {"hour": 9, "minute": 59}
